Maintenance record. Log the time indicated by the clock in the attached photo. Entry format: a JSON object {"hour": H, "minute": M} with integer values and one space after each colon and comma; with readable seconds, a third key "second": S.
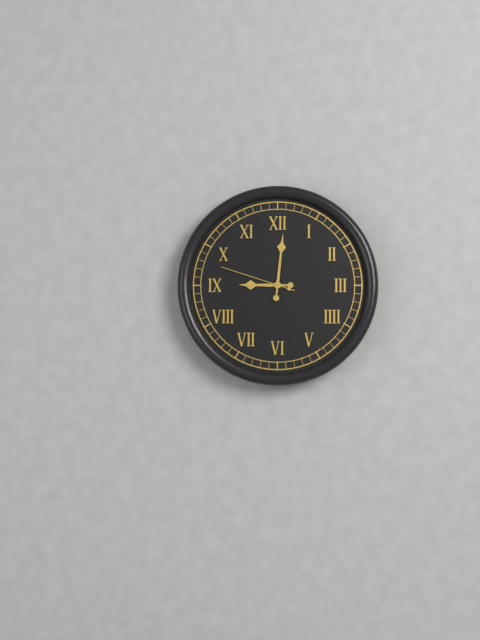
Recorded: {"hour": 9, "minute": 1, "second": 48}
